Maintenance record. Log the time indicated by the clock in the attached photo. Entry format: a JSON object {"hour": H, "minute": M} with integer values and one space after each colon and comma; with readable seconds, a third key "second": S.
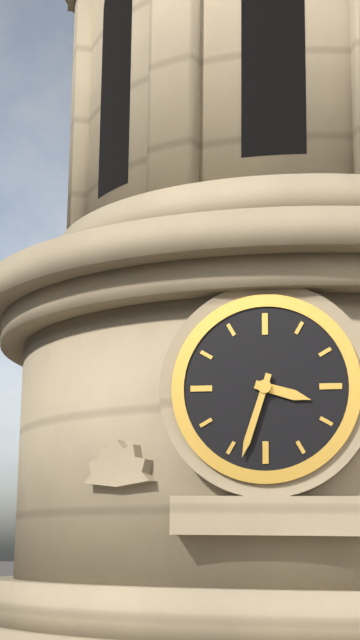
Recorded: {"hour": 3, "minute": 33}
